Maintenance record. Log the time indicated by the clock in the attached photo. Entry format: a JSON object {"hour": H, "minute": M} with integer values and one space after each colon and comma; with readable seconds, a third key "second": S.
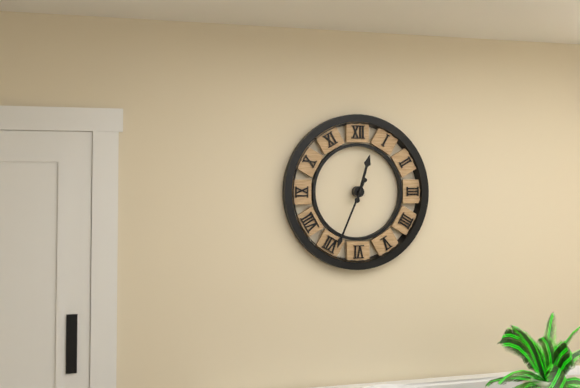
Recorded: {"hour": 12, "minute": 34}
